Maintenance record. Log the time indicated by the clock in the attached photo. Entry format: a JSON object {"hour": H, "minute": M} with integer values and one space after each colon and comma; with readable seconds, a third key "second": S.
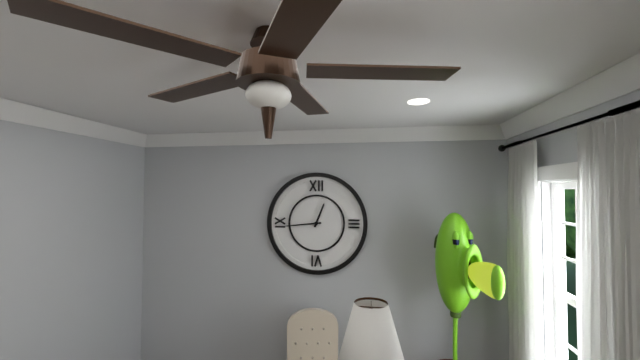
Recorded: {"hour": 12, "minute": 44}
